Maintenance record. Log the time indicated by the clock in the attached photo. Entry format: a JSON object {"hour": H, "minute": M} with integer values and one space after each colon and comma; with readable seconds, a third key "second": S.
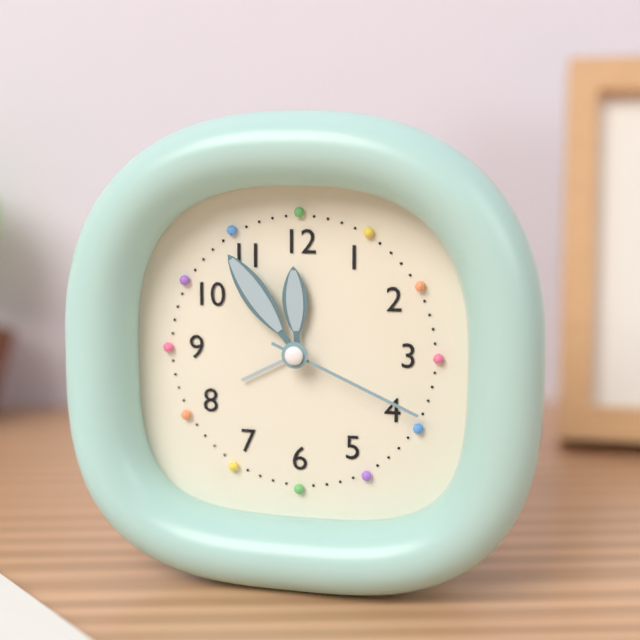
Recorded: {"hour": 11, "minute": 54, "second": 19}
